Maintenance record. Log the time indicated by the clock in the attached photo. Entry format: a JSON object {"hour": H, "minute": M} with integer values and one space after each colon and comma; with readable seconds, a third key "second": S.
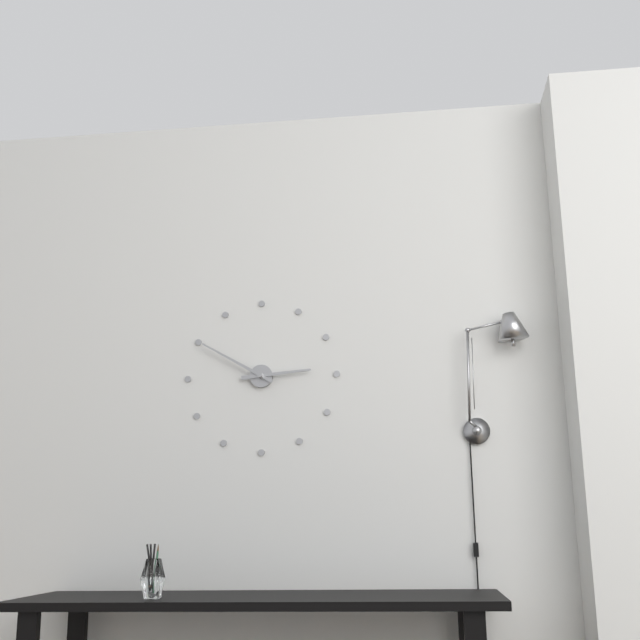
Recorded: {"hour": 2, "minute": 50}
